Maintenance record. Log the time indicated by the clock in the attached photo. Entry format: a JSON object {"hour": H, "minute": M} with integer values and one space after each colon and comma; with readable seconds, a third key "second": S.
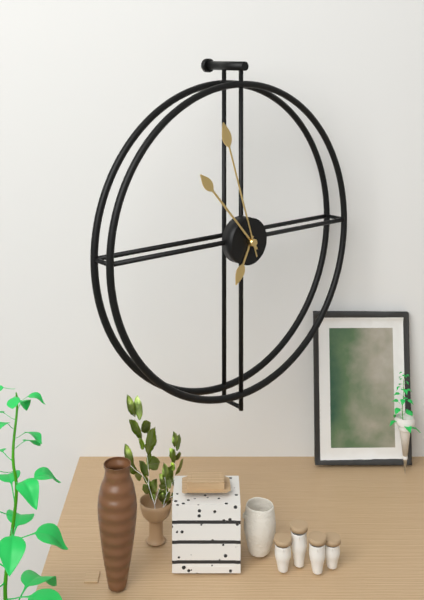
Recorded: {"hour": 6, "minute": 53, "second": 57}
